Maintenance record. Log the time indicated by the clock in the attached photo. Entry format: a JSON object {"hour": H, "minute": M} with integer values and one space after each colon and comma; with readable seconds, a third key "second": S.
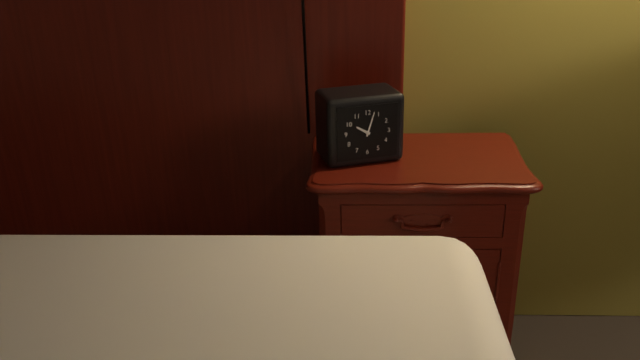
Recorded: {"hour": 10, "minute": 3}
